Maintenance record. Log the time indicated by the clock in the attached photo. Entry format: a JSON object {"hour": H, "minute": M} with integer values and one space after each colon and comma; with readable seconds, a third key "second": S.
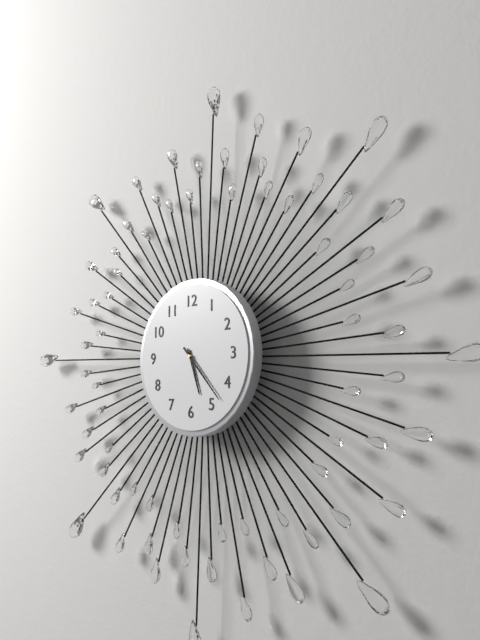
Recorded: {"hour": 5, "minute": 23}
